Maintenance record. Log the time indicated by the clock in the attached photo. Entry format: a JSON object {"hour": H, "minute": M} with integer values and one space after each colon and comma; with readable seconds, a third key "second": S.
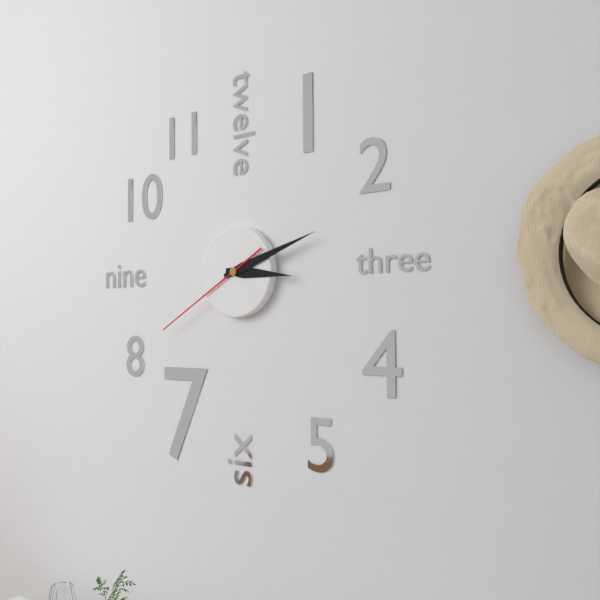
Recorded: {"hour": 3, "minute": 12, "second": 40}
